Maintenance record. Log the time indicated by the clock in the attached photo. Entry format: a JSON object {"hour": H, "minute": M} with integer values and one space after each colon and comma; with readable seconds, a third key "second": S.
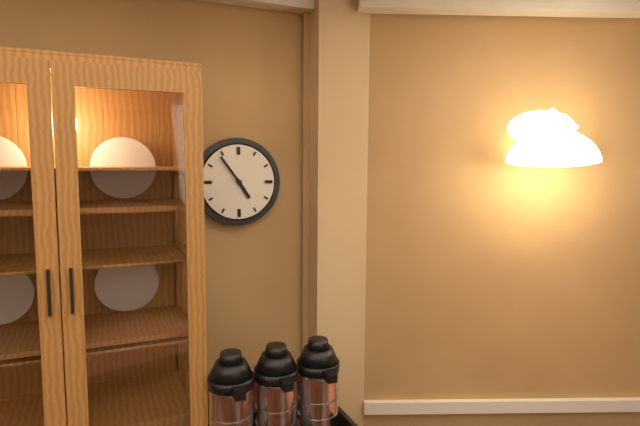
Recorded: {"hour": 4, "minute": 54}
